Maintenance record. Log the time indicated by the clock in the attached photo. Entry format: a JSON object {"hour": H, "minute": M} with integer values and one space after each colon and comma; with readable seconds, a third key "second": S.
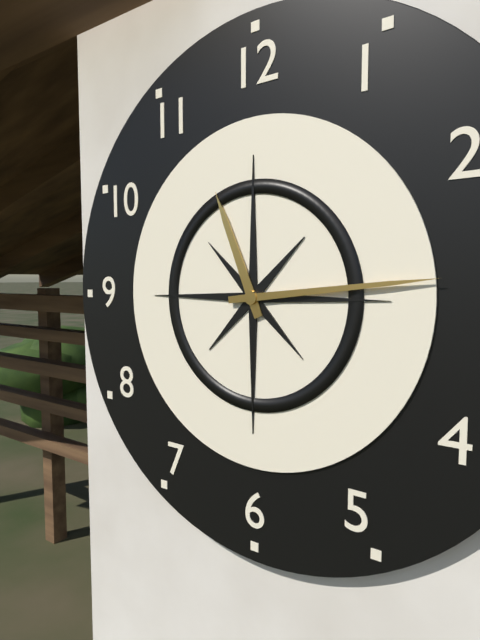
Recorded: {"hour": 11, "minute": 14}
